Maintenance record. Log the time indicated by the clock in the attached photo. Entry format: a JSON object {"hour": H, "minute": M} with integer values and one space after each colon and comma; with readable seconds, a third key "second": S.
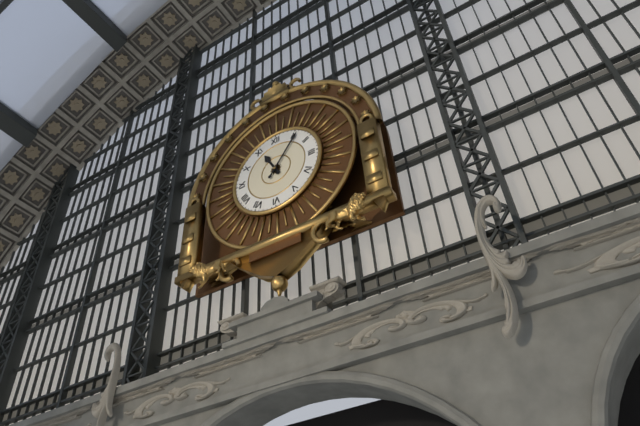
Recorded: {"hour": 11, "minute": 6}
